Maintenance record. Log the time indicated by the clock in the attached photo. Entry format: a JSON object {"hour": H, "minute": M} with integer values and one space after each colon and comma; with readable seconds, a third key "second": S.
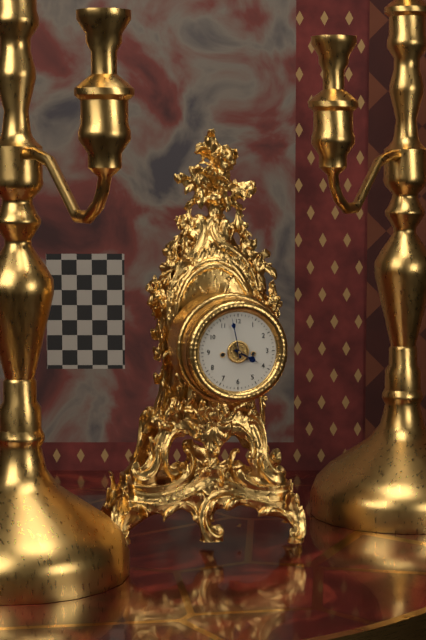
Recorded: {"hour": 3, "minute": 58}
